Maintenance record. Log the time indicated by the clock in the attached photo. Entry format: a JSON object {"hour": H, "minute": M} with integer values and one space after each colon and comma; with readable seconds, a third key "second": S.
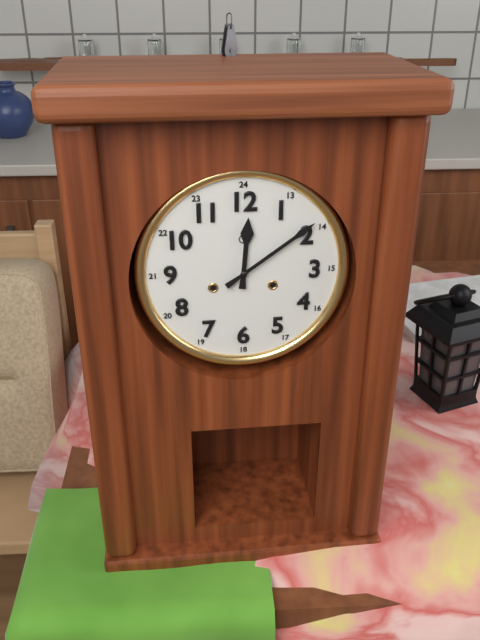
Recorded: {"hour": 12, "minute": 9}
